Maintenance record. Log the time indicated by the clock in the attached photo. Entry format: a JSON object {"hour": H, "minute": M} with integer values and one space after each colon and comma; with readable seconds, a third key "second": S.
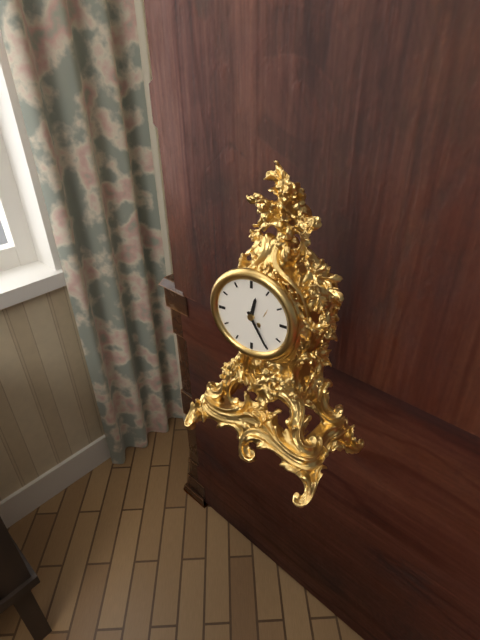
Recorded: {"hour": 12, "minute": 25}
